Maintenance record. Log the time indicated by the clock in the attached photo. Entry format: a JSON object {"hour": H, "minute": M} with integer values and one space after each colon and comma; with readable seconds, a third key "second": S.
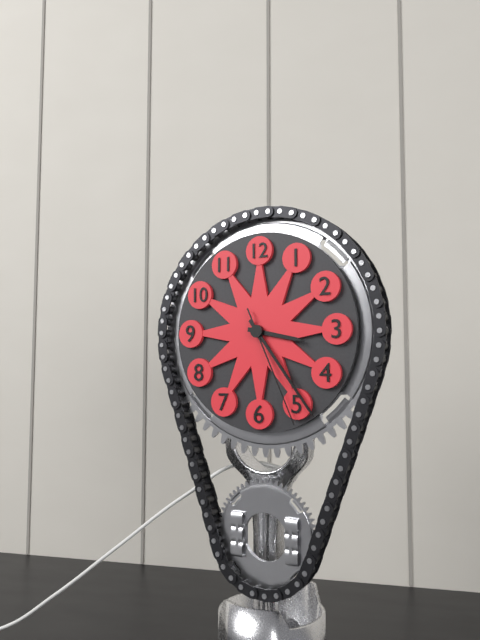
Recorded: {"hour": 3, "minute": 24, "second": 26}
